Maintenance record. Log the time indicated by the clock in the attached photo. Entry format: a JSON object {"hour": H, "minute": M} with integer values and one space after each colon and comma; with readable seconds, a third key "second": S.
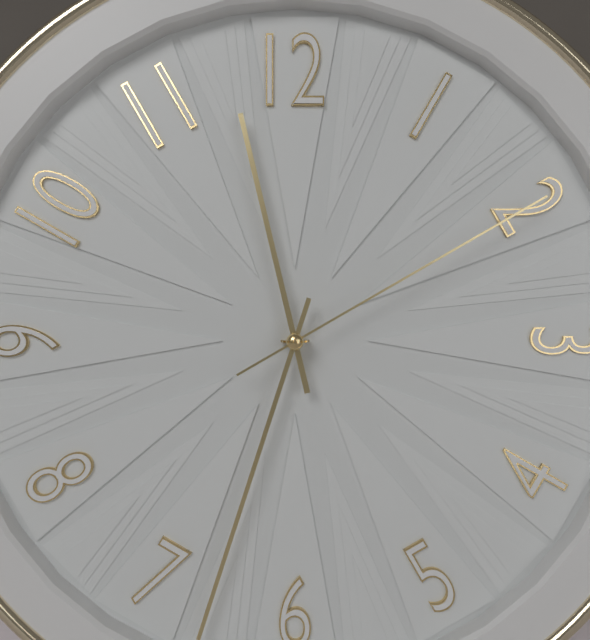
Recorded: {"hour": 11, "minute": 33, "second": 10}
